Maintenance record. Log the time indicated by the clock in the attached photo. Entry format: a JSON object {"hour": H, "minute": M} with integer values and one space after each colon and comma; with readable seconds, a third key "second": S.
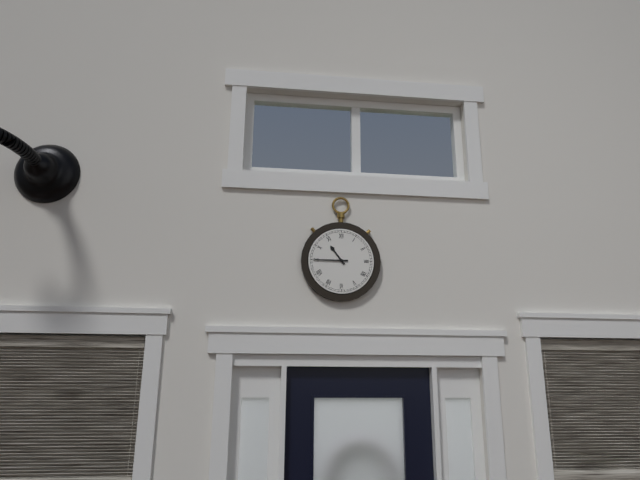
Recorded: {"hour": 10, "minute": 45}
